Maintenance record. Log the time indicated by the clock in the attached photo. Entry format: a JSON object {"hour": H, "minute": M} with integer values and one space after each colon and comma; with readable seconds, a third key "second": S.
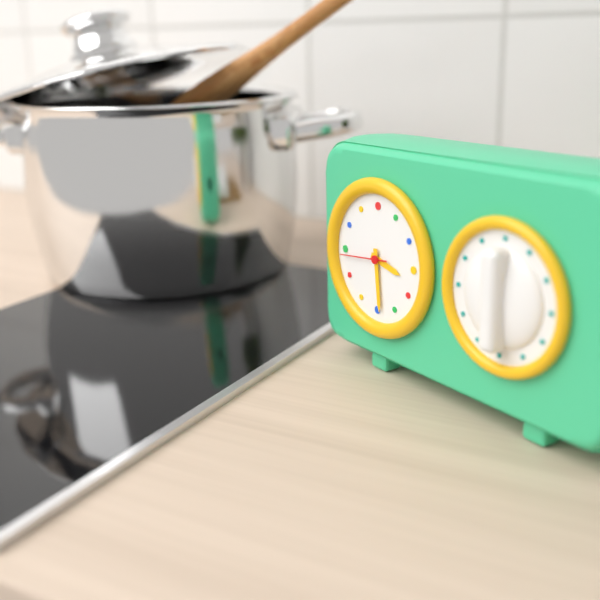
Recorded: {"hour": 3, "minute": 29}
